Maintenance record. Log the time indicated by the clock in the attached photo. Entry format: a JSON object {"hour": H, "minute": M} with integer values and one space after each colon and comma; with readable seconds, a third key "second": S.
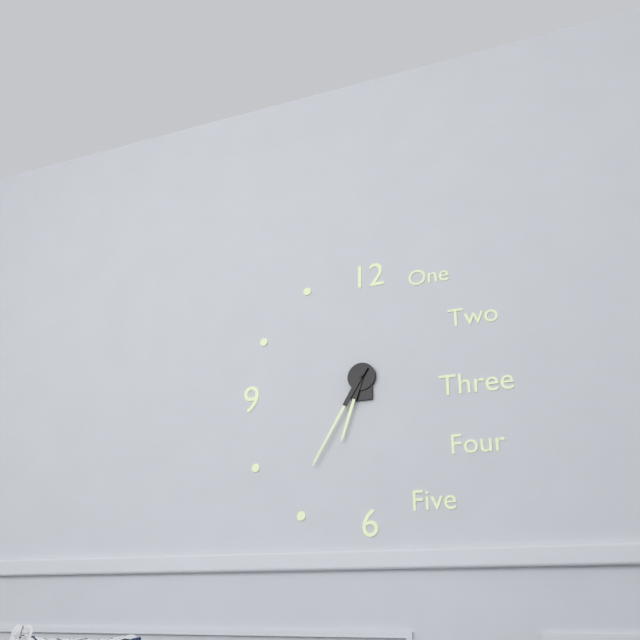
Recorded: {"hour": 6, "minute": 35}
